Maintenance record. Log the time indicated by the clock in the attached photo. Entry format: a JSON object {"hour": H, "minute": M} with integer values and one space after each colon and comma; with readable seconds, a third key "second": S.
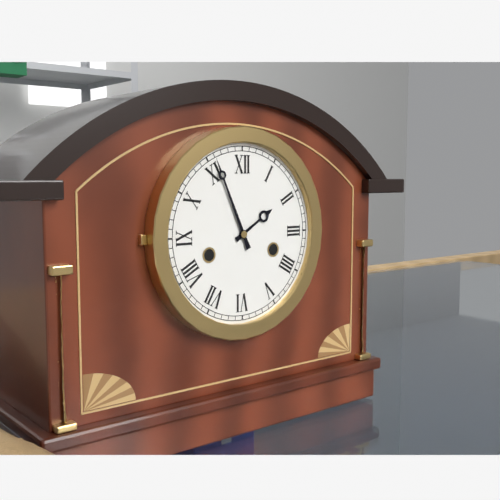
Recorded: {"hour": 1, "minute": 56}
